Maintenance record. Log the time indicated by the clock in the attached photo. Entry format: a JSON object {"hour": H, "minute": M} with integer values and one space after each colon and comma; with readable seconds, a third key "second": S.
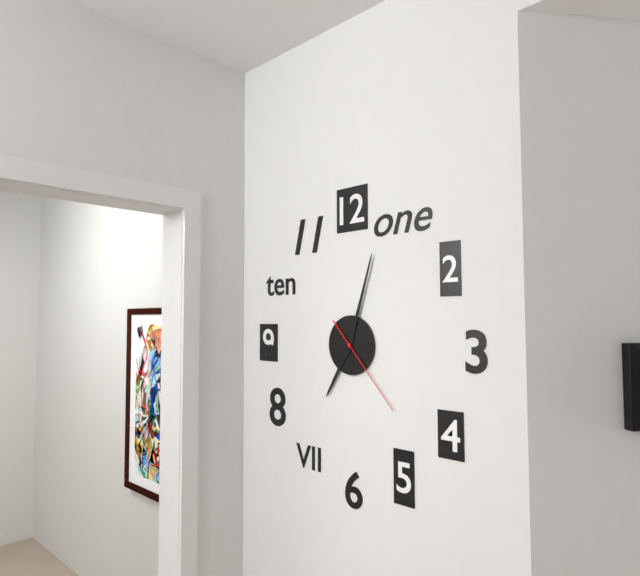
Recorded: {"hour": 7, "minute": 3, "second": 23}
